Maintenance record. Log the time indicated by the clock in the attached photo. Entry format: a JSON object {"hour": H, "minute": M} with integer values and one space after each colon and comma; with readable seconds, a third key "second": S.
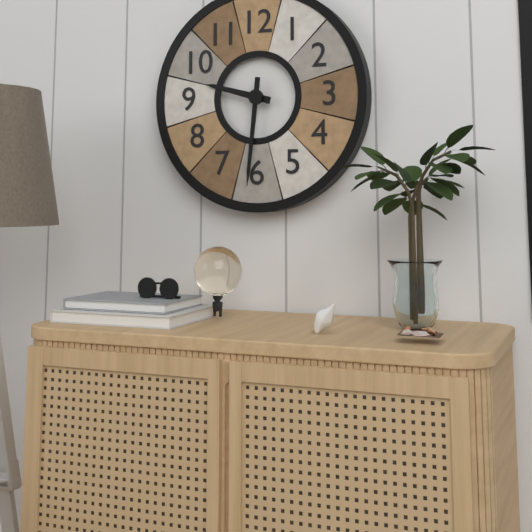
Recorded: {"hour": 9, "minute": 31}
